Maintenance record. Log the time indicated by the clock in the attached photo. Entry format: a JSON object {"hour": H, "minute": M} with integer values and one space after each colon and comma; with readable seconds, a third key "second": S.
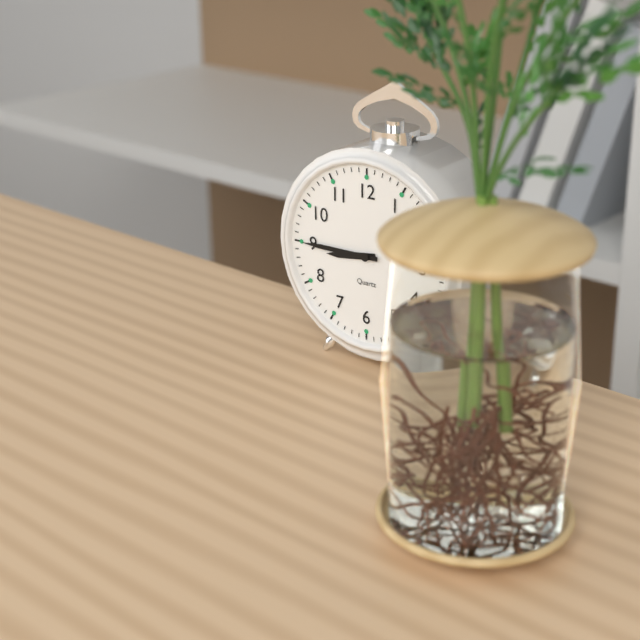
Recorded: {"hour": 8, "minute": 45}
